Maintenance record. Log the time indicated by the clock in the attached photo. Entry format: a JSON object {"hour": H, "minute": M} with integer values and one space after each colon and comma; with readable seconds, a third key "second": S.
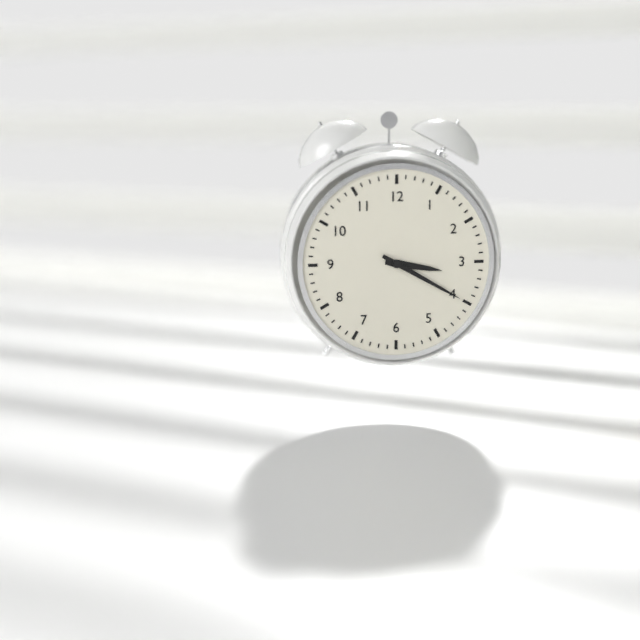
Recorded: {"hour": 3, "minute": 20}
